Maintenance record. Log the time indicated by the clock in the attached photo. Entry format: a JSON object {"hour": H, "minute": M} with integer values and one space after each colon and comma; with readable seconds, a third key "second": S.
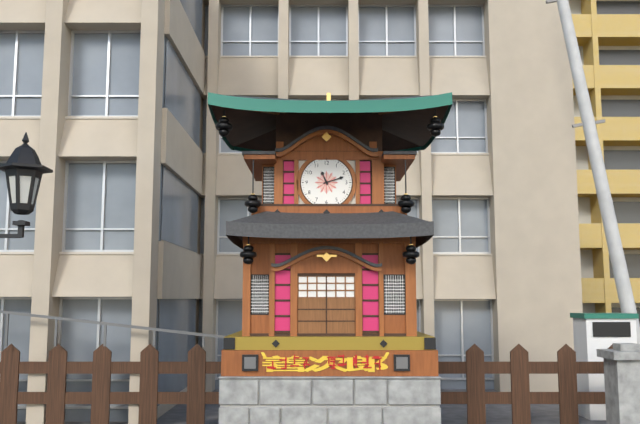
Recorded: {"hour": 11, "minute": 12}
